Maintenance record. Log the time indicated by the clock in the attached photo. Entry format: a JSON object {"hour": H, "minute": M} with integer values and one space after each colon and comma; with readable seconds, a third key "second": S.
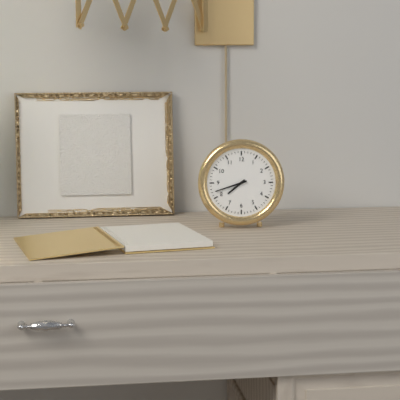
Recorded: {"hour": 7, "minute": 42}
